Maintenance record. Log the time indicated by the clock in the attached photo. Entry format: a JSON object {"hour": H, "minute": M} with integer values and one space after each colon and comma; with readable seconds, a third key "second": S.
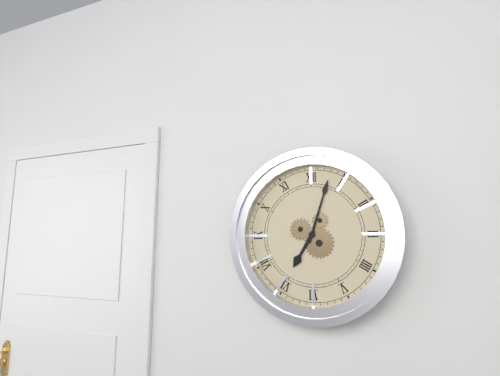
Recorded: {"hour": 7, "minute": 3}
